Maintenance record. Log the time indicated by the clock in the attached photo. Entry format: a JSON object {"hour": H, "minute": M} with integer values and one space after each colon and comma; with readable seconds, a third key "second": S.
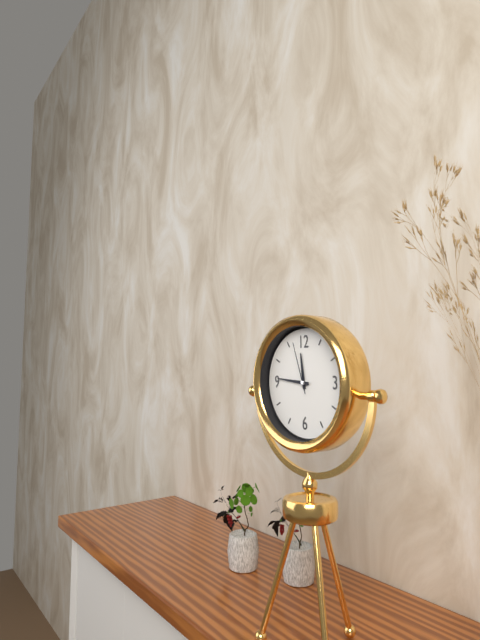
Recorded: {"hour": 11, "minute": 46, "second": 57}
